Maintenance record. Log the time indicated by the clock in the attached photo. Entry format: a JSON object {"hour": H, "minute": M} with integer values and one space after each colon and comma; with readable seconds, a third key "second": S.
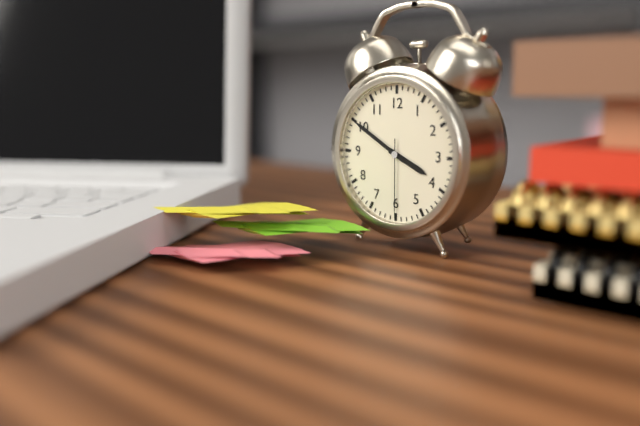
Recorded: {"hour": 3, "minute": 50, "second": 30}
